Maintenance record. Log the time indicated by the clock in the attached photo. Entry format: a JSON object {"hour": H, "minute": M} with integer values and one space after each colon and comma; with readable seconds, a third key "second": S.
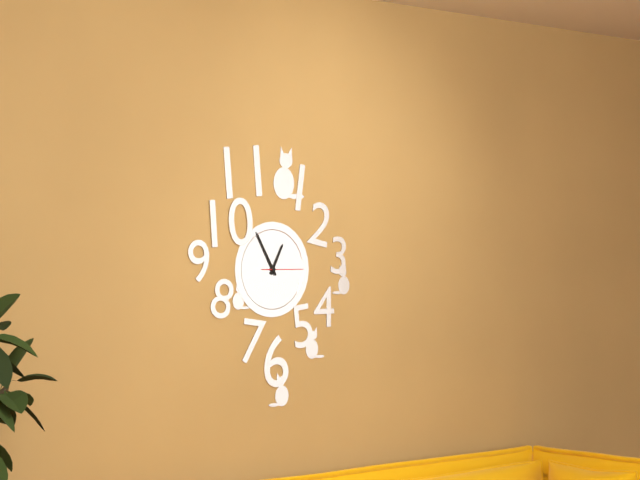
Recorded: {"hour": 12, "minute": 55}
